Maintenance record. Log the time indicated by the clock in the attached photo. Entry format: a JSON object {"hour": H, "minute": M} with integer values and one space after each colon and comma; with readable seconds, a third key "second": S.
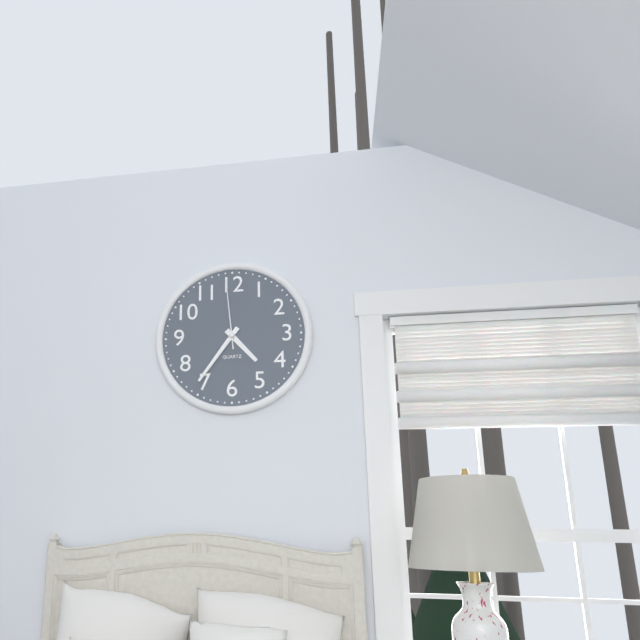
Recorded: {"hour": 4, "minute": 36, "second": 59}
